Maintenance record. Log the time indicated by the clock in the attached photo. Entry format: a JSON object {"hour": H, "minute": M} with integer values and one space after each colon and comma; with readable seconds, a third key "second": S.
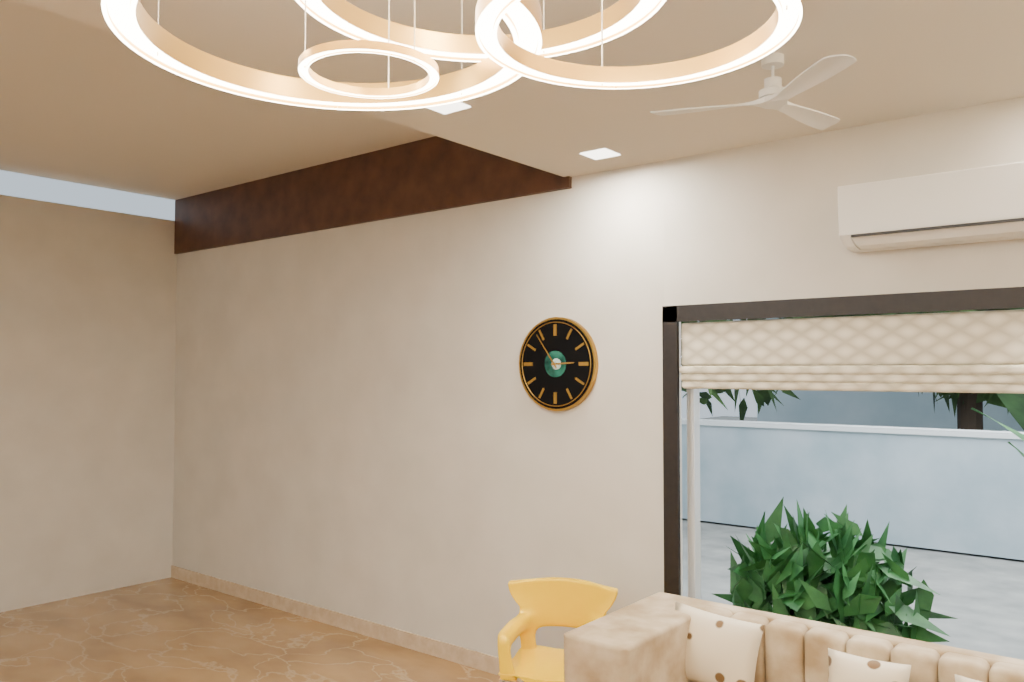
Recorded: {"hour": 2, "minute": 54}
